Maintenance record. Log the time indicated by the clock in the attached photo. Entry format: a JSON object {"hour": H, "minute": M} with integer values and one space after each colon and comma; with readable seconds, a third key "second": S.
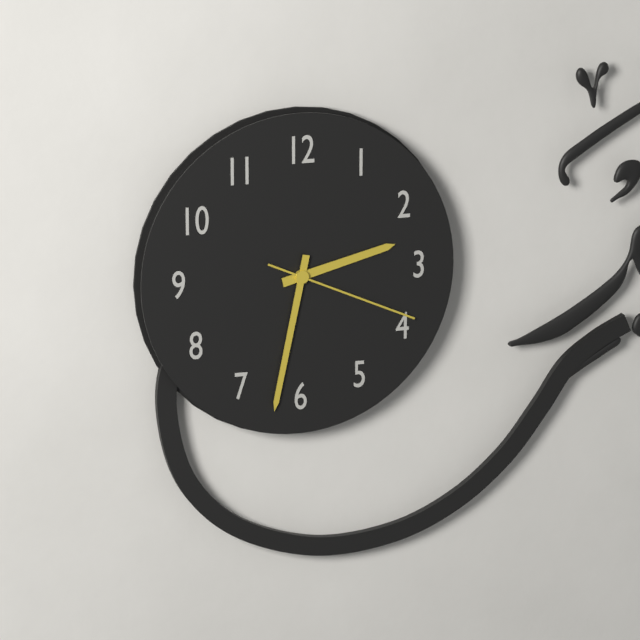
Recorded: {"hour": 2, "minute": 32, "second": 19}
